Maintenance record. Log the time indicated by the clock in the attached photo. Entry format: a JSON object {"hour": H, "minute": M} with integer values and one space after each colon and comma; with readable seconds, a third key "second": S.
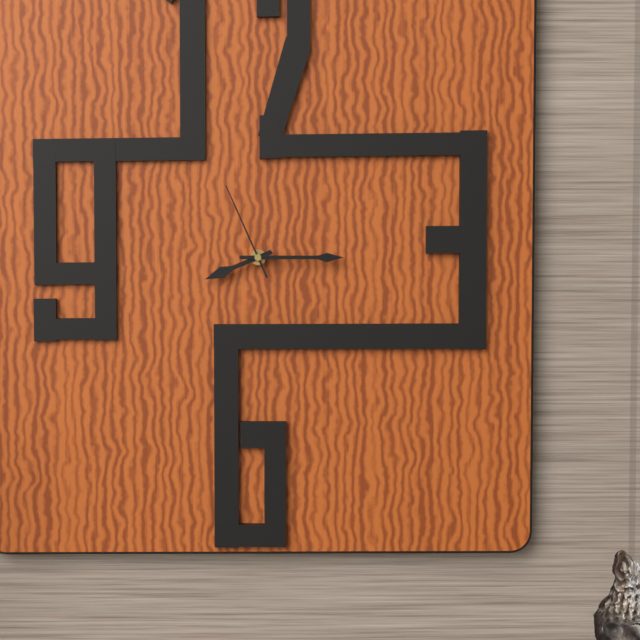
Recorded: {"hour": 8, "minute": 15, "second": 56}
